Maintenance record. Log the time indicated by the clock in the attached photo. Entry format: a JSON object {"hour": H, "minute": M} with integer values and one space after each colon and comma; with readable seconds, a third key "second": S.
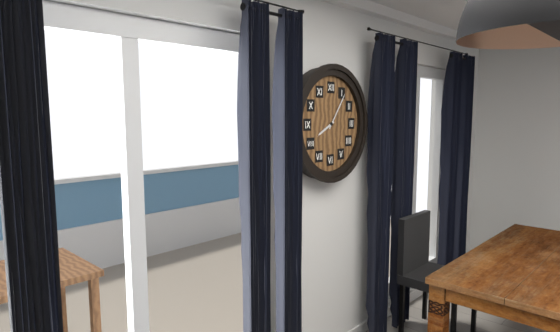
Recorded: {"hour": 8, "minute": 6}
